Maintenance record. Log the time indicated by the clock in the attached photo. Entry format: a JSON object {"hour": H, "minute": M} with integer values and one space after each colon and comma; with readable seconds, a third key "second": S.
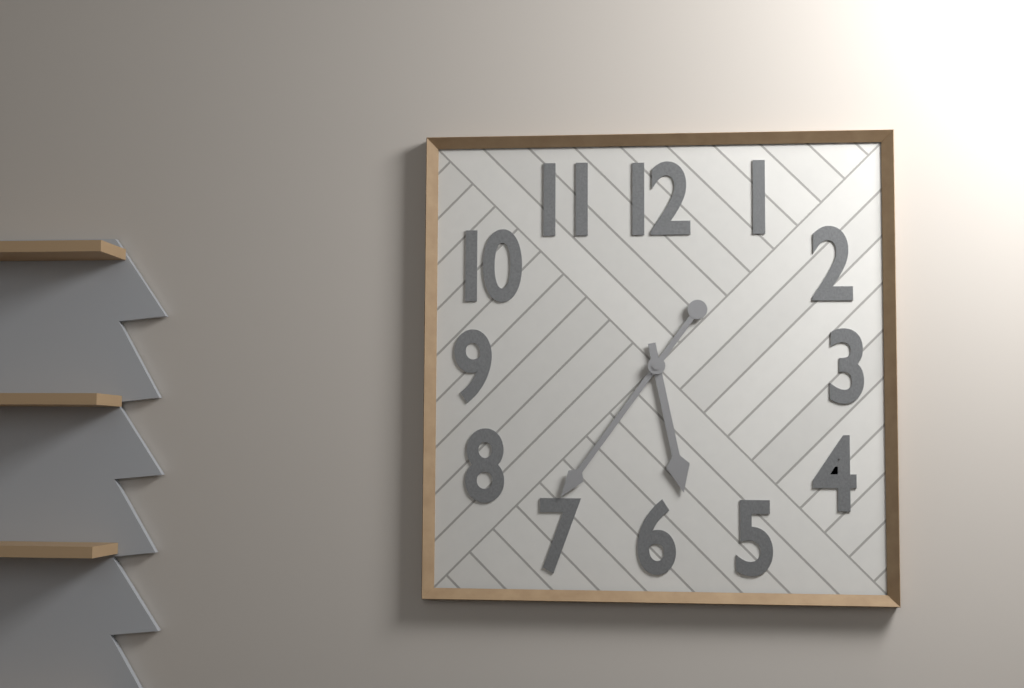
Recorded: {"hour": 5, "minute": 36}
